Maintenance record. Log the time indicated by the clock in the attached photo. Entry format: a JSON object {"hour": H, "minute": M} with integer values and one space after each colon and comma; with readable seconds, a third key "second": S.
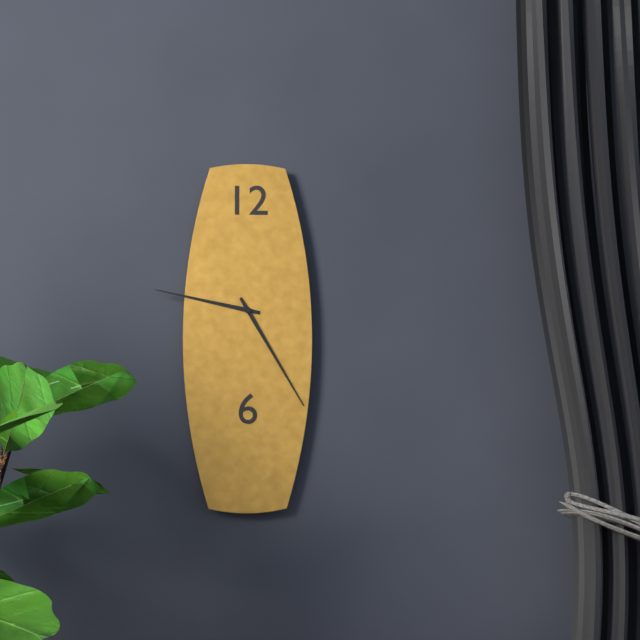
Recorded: {"hour": 9, "minute": 25}
